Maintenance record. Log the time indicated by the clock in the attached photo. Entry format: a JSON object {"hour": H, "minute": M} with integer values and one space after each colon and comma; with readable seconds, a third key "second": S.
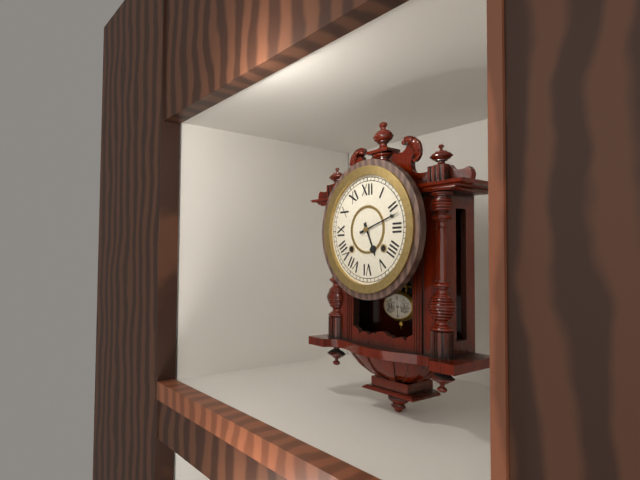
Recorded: {"hour": 5, "minute": 12}
